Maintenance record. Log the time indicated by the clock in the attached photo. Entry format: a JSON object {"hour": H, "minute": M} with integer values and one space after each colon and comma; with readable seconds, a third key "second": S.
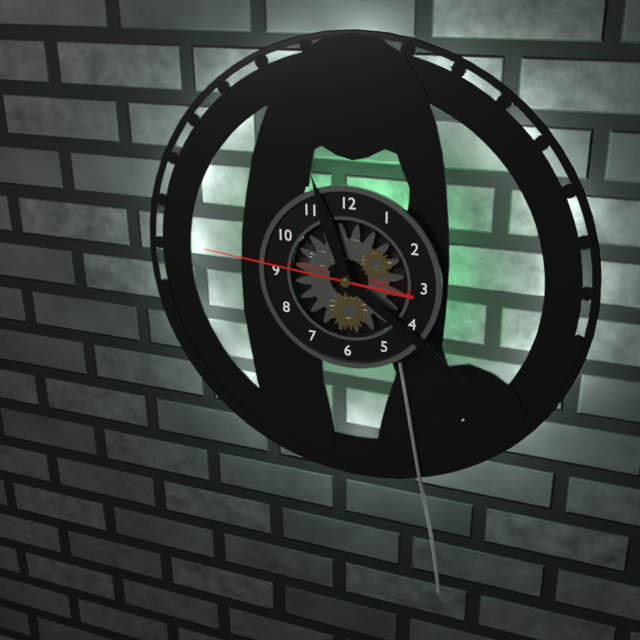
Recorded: {"hour": 11, "minute": 21, "second": 46}
